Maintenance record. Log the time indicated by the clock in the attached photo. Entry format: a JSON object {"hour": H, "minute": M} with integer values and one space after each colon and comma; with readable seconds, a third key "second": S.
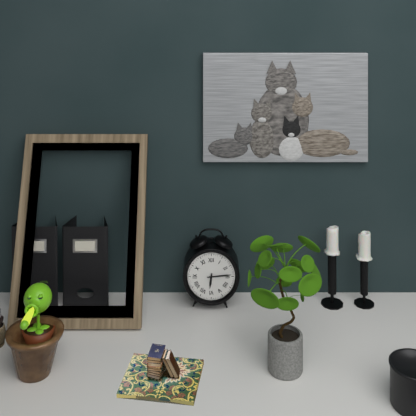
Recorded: {"hour": 6, "minute": 14}
